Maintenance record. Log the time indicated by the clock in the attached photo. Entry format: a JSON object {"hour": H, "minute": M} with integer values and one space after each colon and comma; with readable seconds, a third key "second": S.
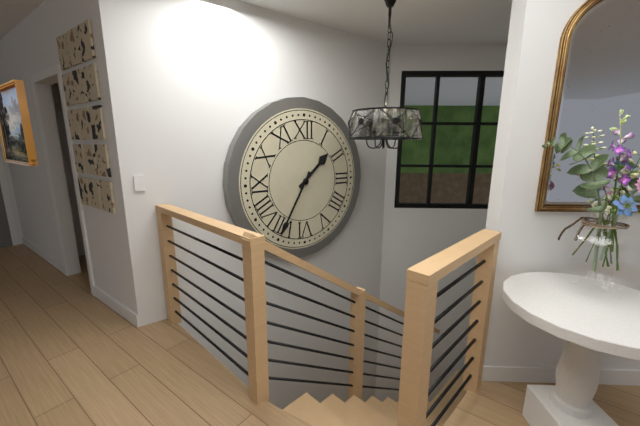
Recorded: {"hour": 1, "minute": 35}
